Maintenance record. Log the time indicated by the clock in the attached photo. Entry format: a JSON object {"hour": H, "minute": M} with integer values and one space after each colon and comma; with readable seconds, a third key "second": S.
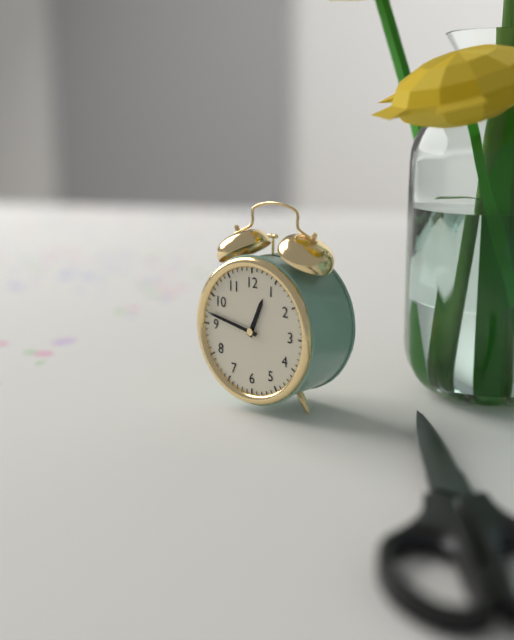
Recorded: {"hour": 12, "minute": 47}
